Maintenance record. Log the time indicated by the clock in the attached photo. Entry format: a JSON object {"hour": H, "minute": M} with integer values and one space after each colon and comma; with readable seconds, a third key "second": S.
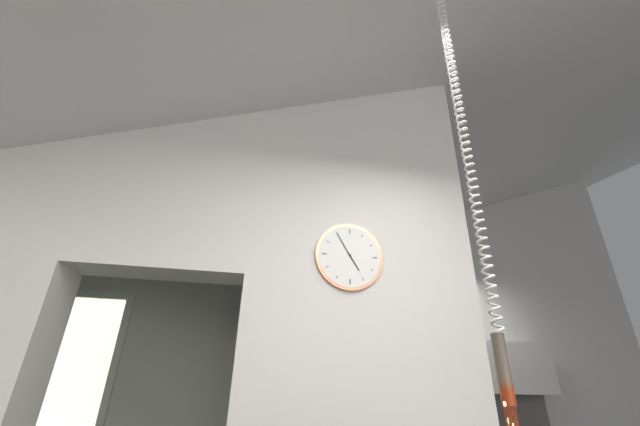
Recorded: {"hour": 4, "minute": 55}
